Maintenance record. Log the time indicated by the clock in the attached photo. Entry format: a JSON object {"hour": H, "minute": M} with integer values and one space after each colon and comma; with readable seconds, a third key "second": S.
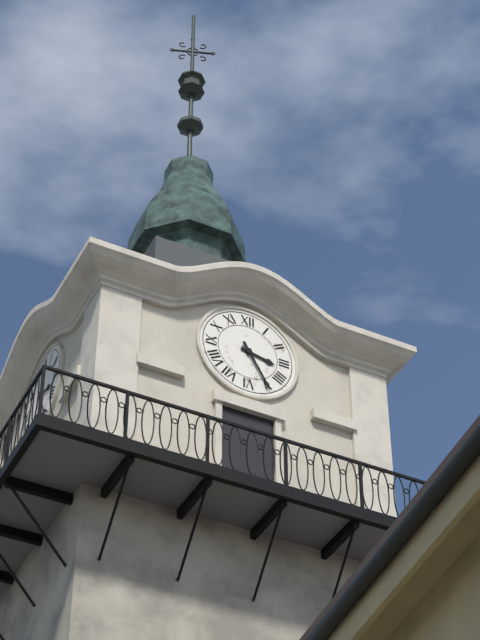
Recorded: {"hour": 3, "minute": 25}
